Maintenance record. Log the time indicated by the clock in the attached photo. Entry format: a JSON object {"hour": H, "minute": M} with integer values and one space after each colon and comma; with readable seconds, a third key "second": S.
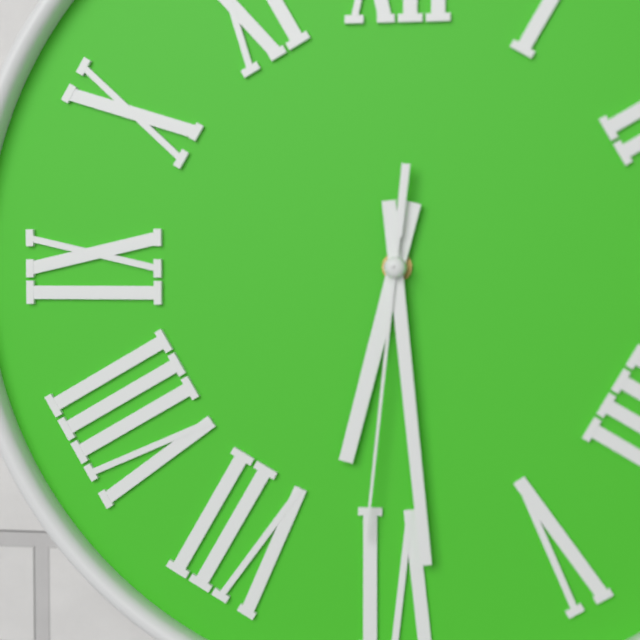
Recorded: {"hour": 6, "minute": 29, "second": 31}
